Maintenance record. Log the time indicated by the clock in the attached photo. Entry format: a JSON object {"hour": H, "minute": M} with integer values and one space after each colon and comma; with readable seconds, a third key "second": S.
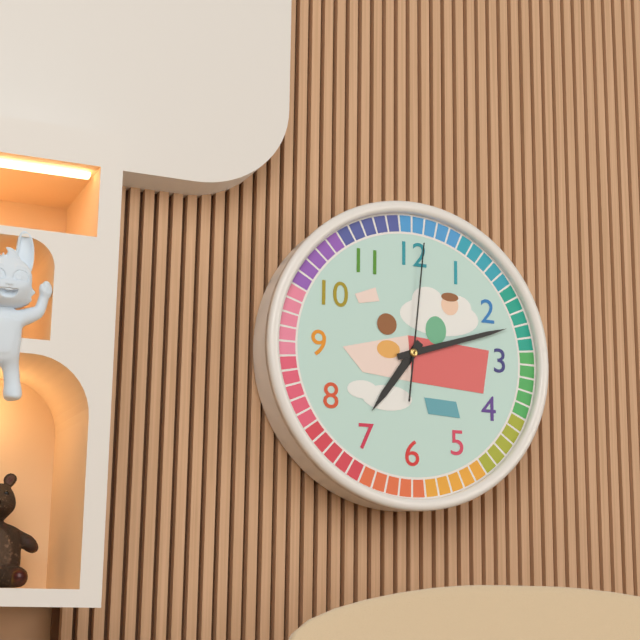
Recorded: {"hour": 7, "minute": 12, "second": 1}
